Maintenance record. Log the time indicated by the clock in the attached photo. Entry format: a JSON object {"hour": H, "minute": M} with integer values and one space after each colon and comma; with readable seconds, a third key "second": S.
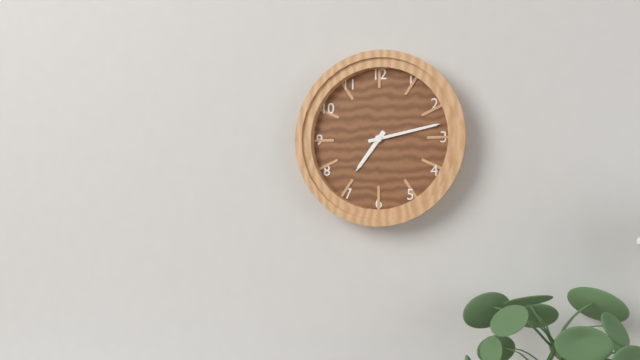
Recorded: {"hour": 7, "minute": 13}
